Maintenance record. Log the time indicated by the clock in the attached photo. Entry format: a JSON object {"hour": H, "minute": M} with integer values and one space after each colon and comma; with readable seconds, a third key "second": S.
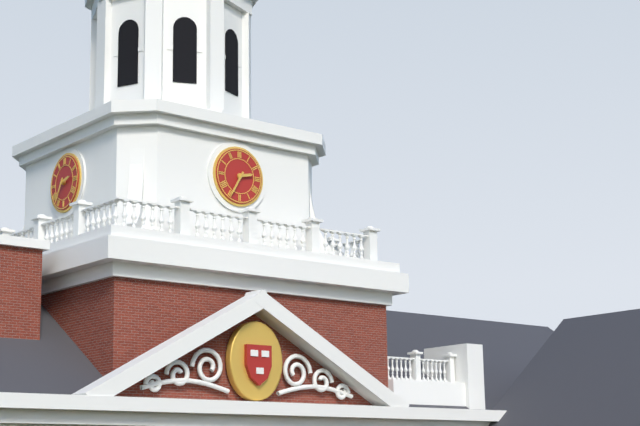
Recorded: {"hour": 2, "minute": 35}
